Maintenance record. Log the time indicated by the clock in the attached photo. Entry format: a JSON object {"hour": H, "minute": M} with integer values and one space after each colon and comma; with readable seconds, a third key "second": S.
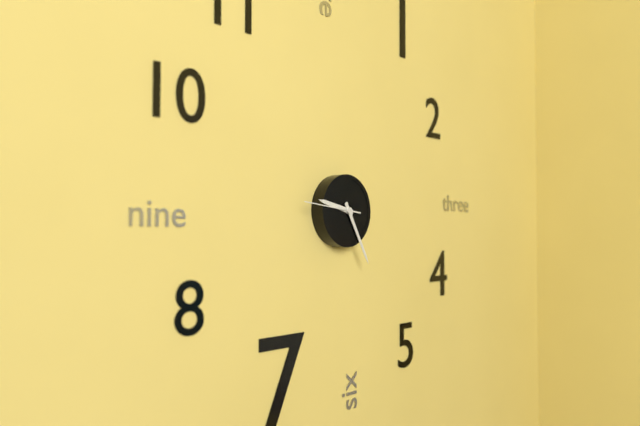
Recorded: {"hour": 9, "minute": 25, "second": 46}
